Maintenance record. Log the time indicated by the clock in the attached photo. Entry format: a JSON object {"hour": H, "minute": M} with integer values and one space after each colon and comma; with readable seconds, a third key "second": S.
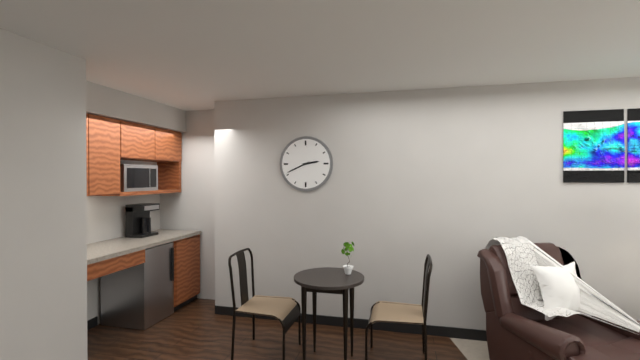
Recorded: {"hour": 2, "minute": 41}
